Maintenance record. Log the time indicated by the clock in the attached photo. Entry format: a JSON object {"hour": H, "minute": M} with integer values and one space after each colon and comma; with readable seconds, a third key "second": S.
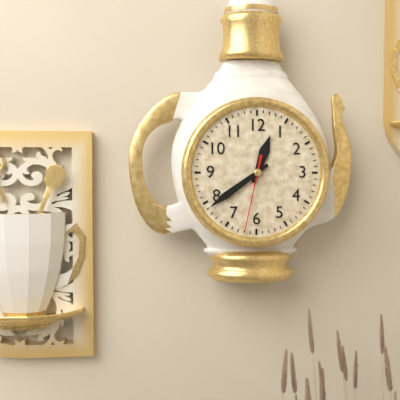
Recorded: {"hour": 12, "minute": 39, "second": 32}
